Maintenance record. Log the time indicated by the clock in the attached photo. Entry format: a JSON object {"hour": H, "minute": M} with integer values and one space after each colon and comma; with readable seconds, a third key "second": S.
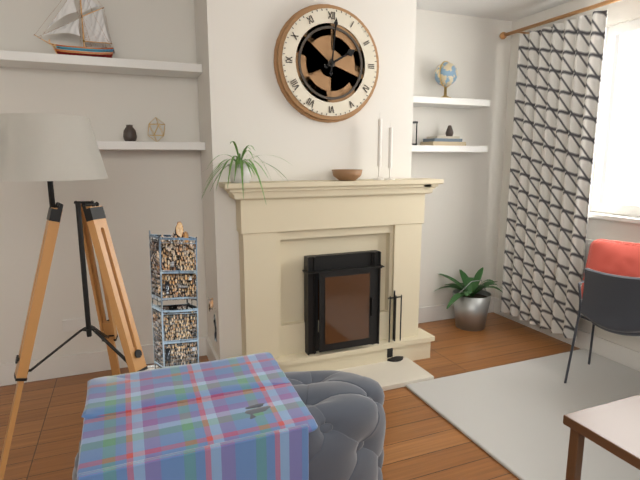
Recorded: {"hour": 2, "minute": 1}
